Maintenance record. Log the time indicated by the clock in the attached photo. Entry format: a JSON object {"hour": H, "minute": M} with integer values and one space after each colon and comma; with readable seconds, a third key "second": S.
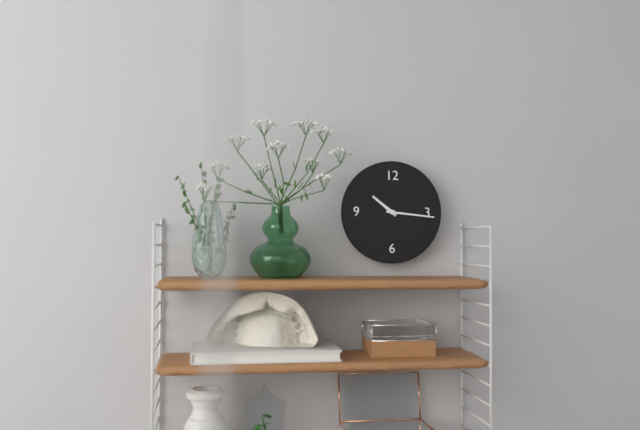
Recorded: {"hour": 10, "minute": 16}
